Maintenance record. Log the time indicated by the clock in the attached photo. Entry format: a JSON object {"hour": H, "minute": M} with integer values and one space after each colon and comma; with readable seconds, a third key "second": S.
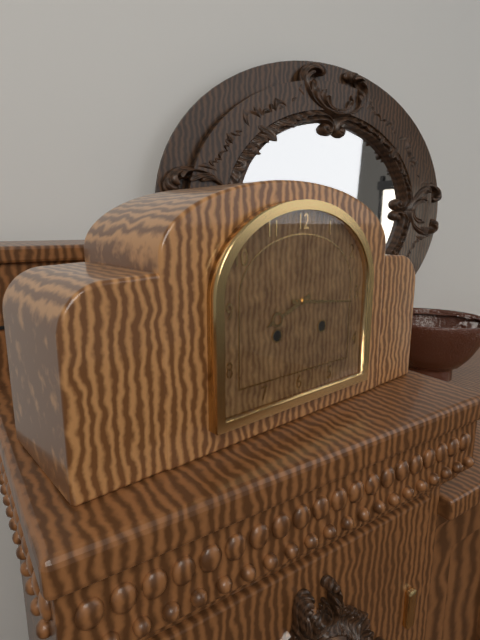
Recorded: {"hour": 8, "minute": 16}
